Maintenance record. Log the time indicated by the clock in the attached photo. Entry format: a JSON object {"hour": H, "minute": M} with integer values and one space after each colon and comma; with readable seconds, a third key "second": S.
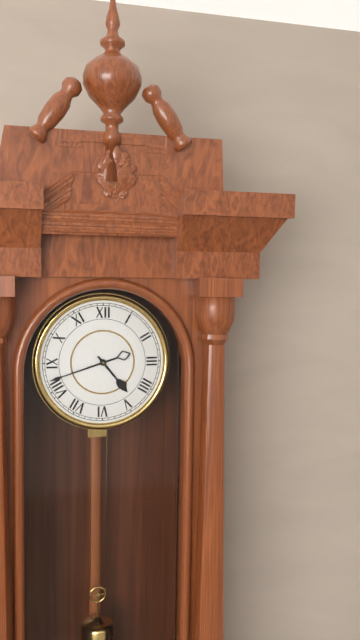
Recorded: {"hour": 4, "minute": 42}
